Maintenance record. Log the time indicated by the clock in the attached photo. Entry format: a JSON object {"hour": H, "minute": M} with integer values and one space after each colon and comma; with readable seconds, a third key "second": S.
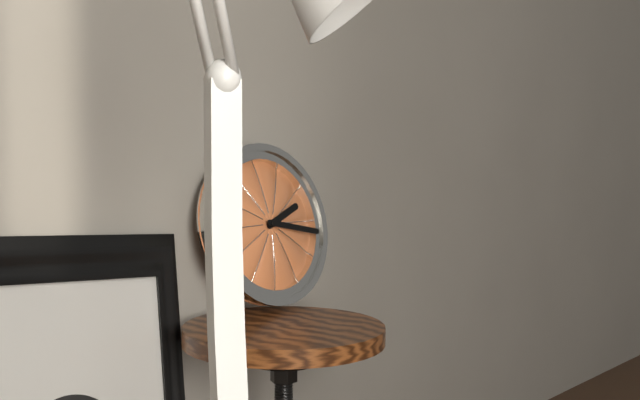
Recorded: {"hour": 2, "minute": 17}
